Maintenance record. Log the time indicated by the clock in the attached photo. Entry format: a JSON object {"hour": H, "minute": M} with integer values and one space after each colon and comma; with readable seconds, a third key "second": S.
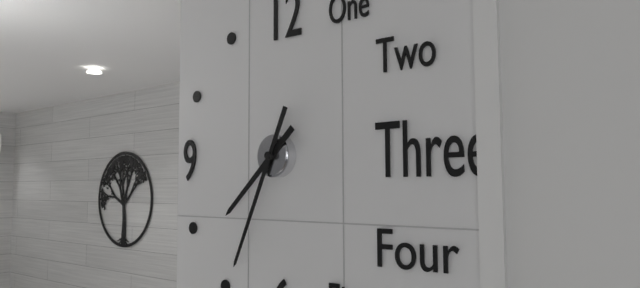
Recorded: {"hour": 7, "minute": 34}
